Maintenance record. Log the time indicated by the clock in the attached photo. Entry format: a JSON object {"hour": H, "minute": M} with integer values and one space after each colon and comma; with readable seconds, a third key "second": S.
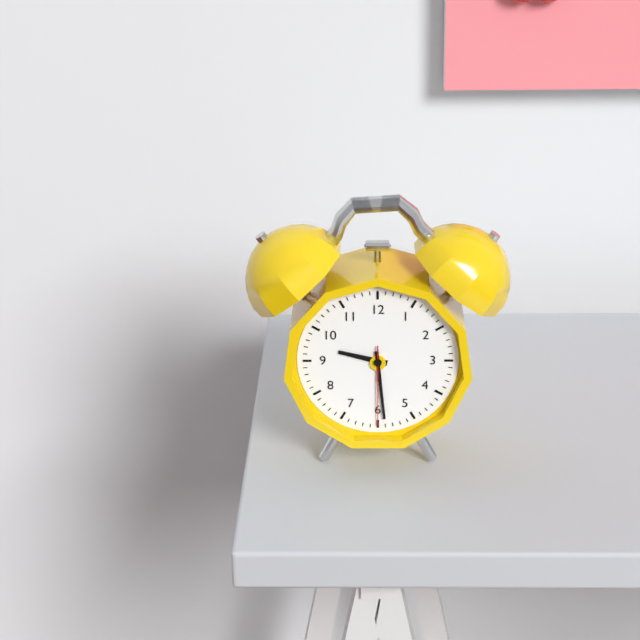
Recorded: {"hour": 9, "minute": 29, "second": 30}
